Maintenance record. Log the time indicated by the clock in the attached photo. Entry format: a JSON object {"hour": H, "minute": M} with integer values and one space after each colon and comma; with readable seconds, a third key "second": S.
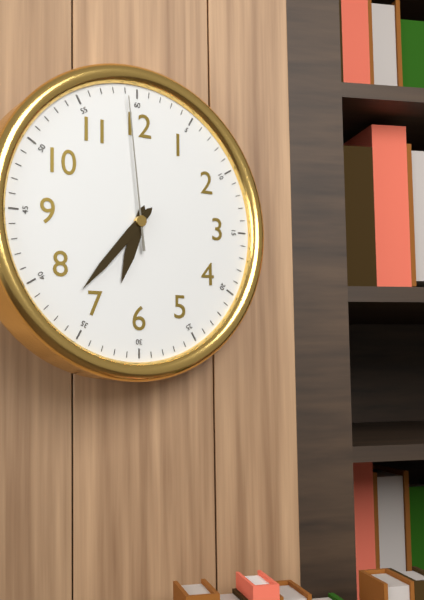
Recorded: {"hour": 6, "minute": 37, "second": 59}
